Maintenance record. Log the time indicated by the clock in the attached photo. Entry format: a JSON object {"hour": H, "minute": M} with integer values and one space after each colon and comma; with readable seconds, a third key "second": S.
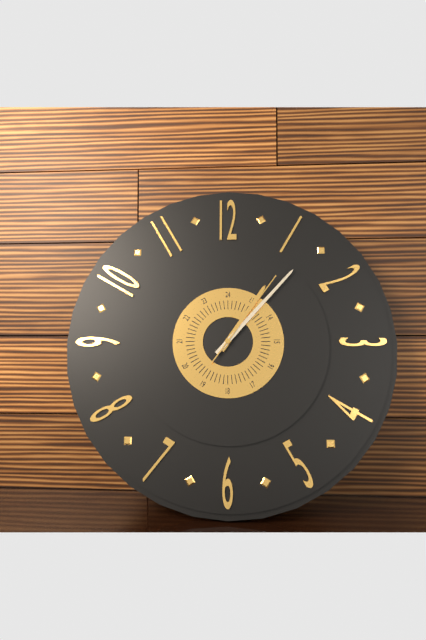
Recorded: {"hour": 1, "minute": 7, "second": 6}
